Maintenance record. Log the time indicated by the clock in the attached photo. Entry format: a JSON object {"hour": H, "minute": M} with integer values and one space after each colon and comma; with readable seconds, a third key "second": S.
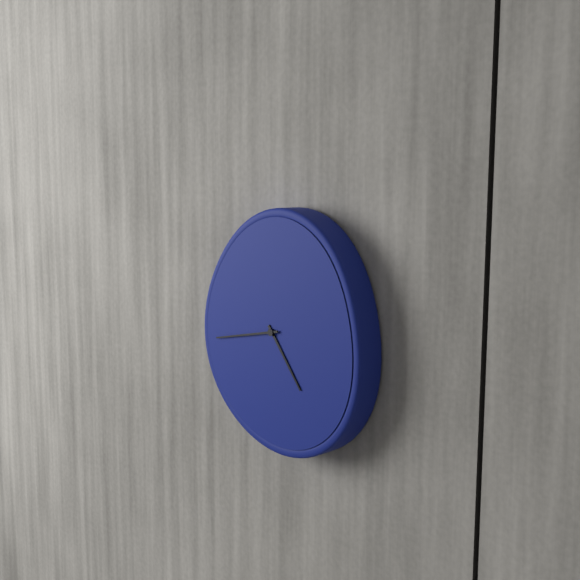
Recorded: {"hour": 4, "minute": 43}
